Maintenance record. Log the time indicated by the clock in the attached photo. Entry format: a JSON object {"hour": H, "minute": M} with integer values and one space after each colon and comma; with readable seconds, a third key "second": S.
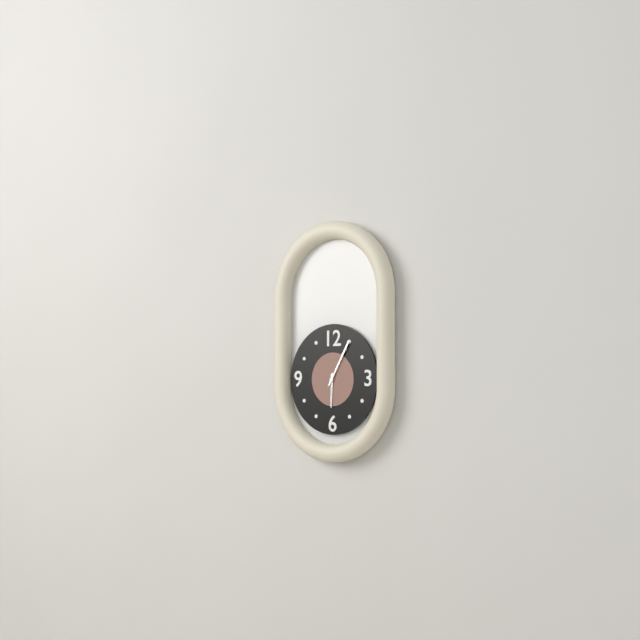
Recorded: {"hour": 6, "minute": 5}
